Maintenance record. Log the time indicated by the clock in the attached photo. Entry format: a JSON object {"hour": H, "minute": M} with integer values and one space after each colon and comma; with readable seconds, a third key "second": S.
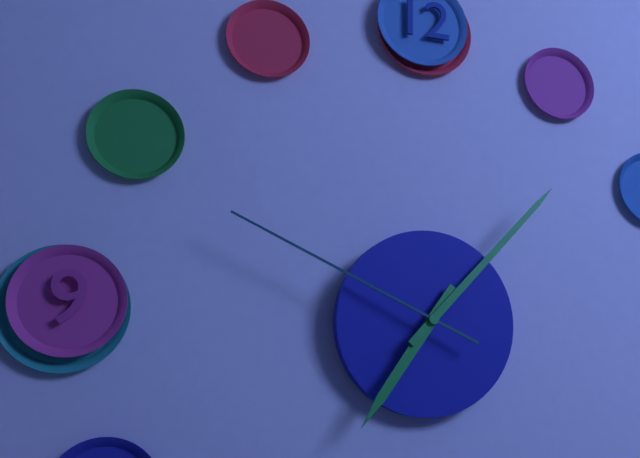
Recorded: {"hour": 7, "minute": 7, "second": 49}
